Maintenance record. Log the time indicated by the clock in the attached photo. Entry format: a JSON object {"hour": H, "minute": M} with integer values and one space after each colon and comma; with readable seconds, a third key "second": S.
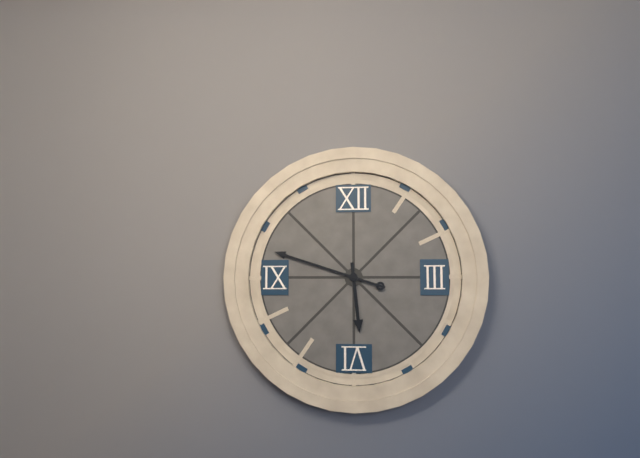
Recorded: {"hour": 5, "minute": 48}
